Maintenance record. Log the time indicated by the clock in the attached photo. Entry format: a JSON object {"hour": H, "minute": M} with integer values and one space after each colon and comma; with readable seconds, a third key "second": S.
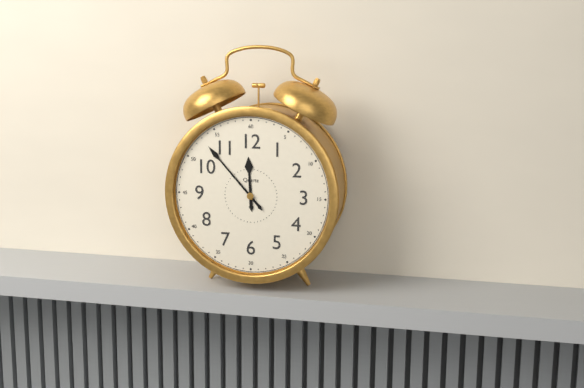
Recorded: {"hour": 11, "minute": 53}
